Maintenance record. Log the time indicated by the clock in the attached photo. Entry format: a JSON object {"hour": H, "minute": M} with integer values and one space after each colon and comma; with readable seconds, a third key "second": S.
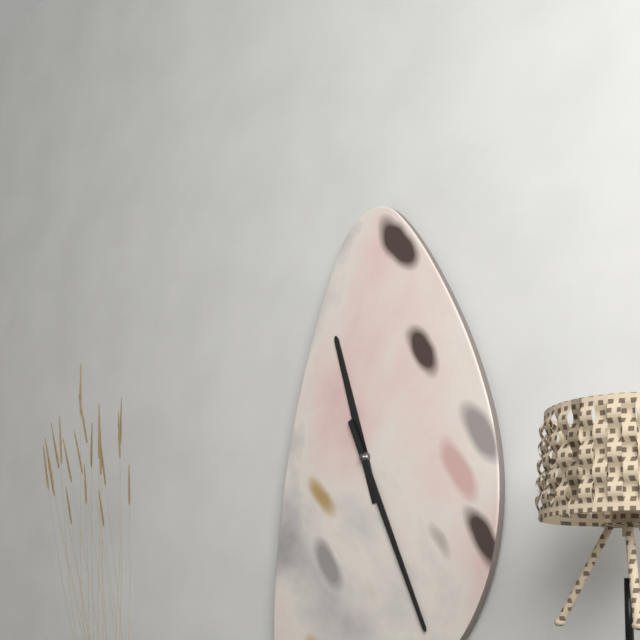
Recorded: {"hour": 11, "minute": 26}
